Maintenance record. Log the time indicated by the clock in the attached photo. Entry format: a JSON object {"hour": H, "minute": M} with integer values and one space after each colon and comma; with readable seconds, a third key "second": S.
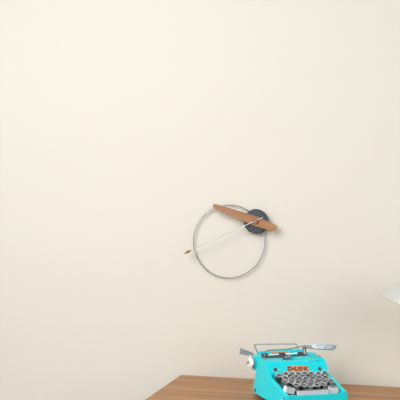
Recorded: {"hour": 9, "minute": 41}
